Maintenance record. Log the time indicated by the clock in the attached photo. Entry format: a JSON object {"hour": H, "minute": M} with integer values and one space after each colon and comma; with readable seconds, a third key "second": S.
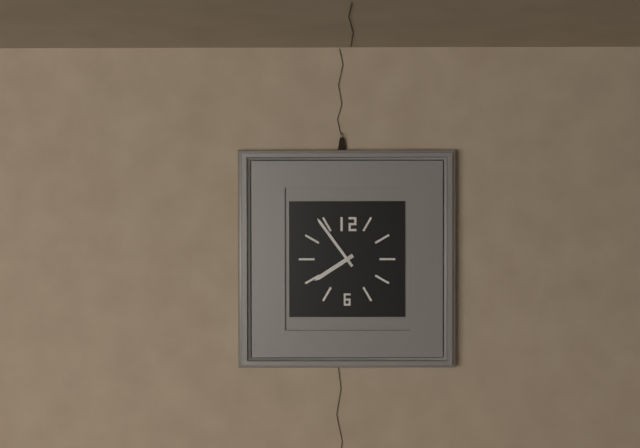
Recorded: {"hour": 7, "minute": 54}
